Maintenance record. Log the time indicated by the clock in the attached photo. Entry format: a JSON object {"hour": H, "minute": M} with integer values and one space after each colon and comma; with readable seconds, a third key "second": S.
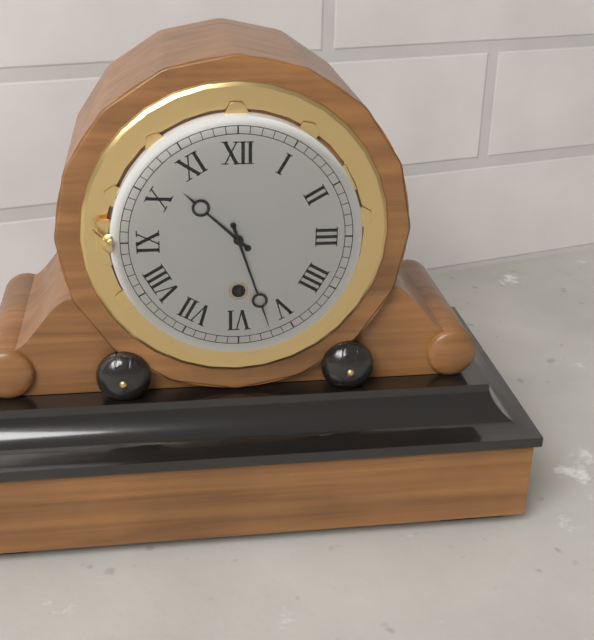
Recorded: {"hour": 10, "minute": 27}
